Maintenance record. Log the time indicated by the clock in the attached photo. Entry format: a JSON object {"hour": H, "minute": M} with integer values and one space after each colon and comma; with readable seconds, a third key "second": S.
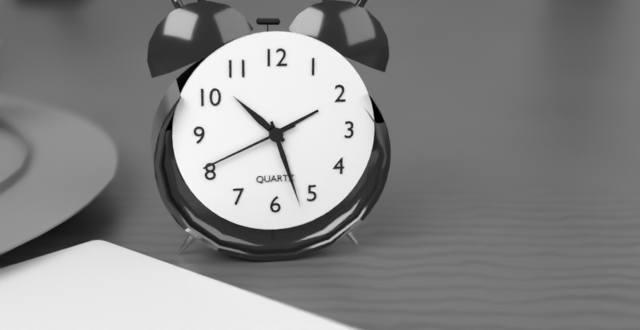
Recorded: {"hour": 10, "minute": 27, "second": 41}
